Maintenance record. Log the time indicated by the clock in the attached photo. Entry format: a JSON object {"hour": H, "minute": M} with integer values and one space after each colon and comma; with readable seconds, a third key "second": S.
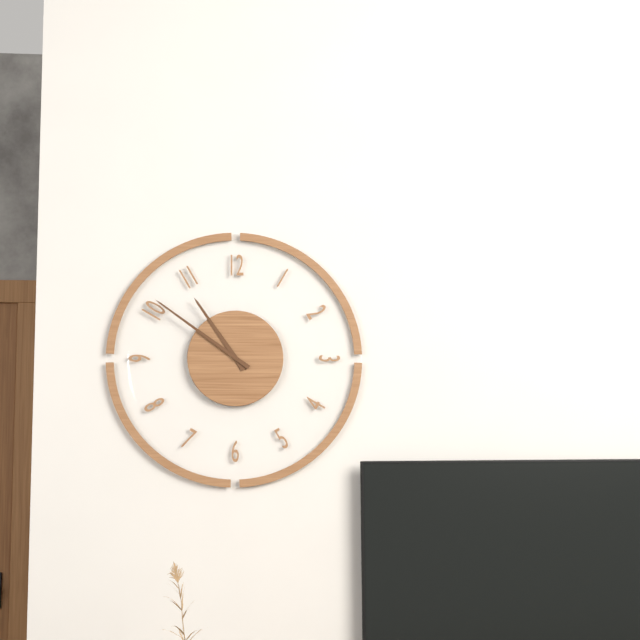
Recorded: {"hour": 10, "minute": 51}
